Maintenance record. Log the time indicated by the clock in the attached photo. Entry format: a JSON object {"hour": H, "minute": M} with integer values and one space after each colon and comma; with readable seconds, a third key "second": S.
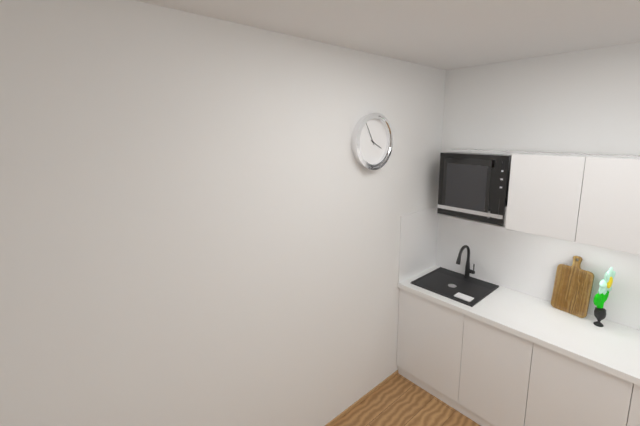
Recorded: {"hour": 3, "minute": 55}
